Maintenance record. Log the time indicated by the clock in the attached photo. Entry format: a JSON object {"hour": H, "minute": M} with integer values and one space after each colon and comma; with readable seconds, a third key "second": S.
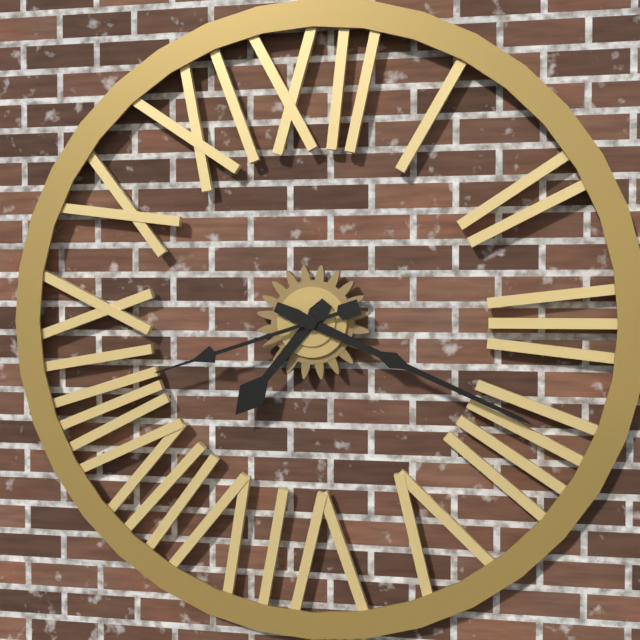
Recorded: {"hour": 7, "minute": 19, "second": 42}
